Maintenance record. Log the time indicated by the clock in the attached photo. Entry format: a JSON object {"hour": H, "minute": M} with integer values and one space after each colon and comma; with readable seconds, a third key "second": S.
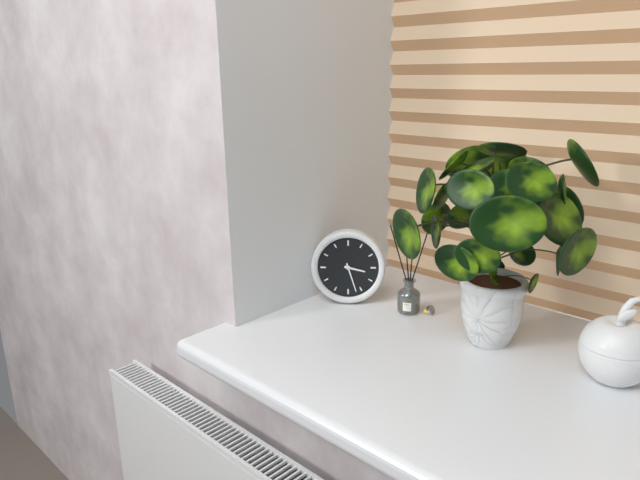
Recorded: {"hour": 3, "minute": 27}
